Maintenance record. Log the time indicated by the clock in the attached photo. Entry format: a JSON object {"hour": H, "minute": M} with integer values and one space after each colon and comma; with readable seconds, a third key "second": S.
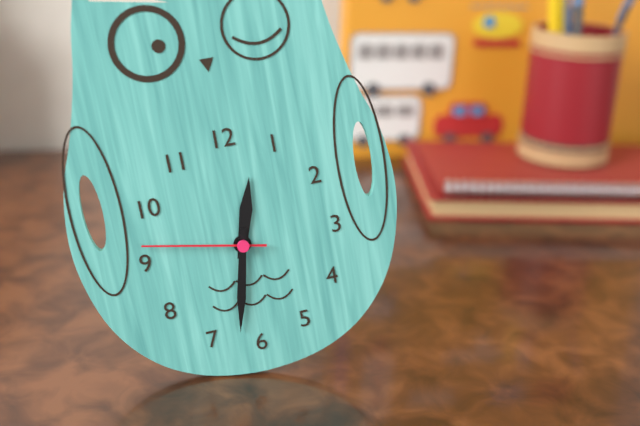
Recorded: {"hour": 12, "minute": 32, "second": 47}
